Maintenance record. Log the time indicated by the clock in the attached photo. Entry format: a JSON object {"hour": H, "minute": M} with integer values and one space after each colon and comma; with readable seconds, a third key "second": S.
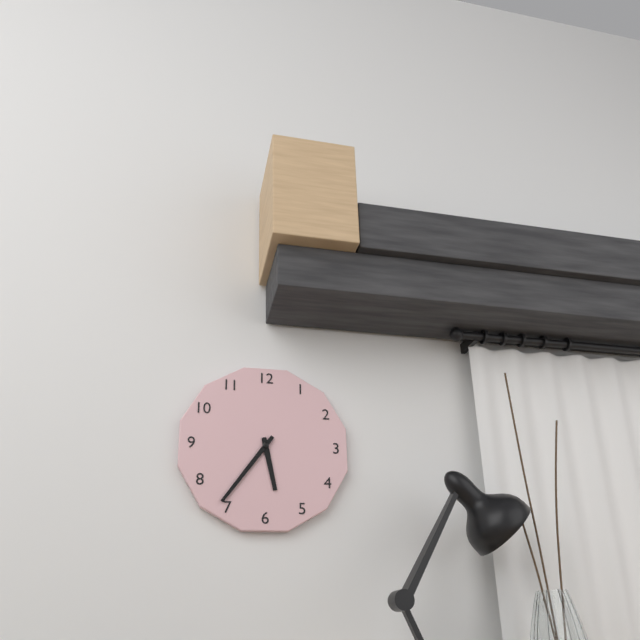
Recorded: {"hour": 5, "minute": 36}
